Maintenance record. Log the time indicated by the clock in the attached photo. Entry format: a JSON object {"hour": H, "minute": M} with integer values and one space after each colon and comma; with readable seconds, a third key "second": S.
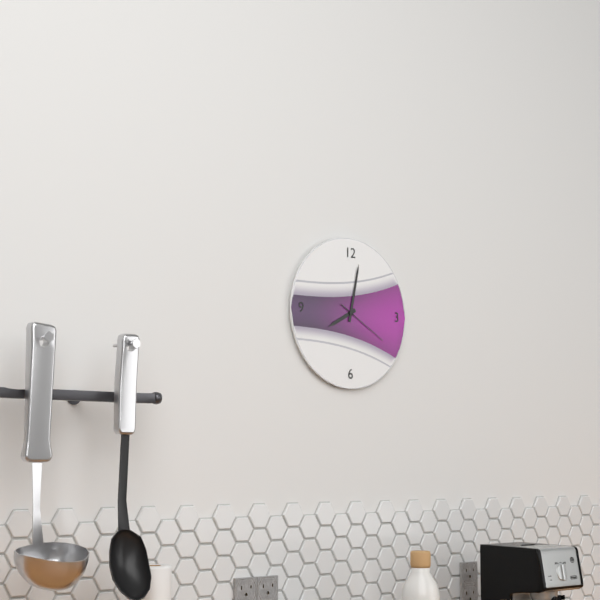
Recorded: {"hour": 8, "minute": 2, "second": 20}
